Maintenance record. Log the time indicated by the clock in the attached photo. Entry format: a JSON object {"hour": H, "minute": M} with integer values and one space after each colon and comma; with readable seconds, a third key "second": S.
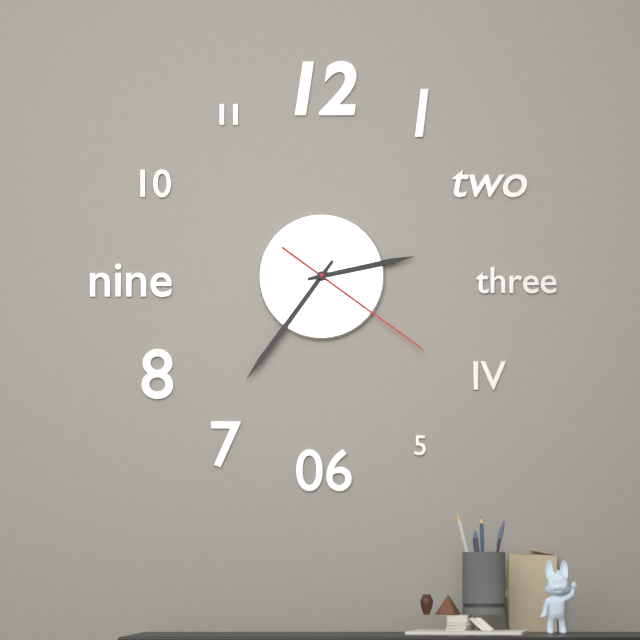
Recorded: {"hour": 2, "minute": 36, "second": 21}
